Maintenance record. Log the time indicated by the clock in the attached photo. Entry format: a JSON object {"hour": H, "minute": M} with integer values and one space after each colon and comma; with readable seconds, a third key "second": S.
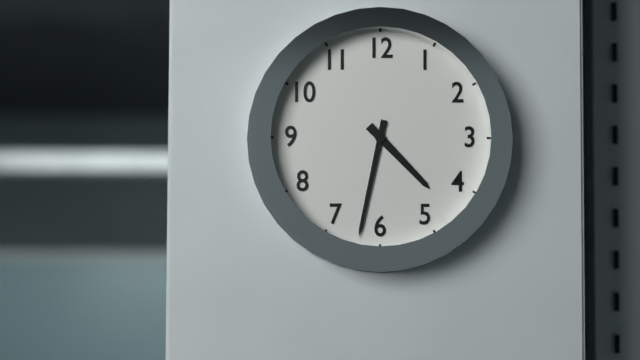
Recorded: {"hour": 4, "minute": 32}
